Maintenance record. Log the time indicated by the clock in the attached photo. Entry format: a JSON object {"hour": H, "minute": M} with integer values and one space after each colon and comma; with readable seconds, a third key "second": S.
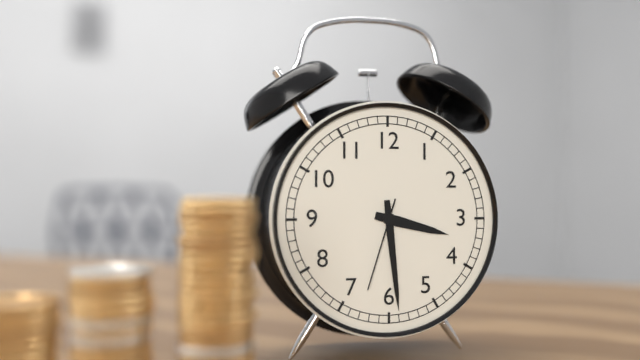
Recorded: {"hour": 3, "minute": 29, "second": 33}
